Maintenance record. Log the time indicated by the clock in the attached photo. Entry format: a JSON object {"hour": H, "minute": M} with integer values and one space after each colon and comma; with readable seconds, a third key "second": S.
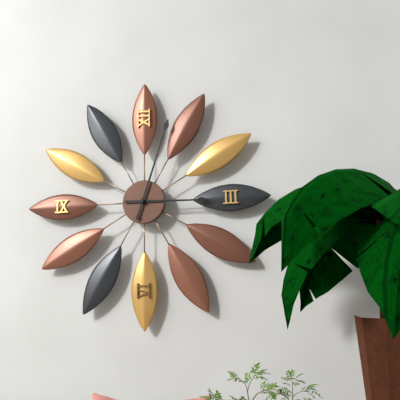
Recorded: {"hour": 3, "minute": 3}
